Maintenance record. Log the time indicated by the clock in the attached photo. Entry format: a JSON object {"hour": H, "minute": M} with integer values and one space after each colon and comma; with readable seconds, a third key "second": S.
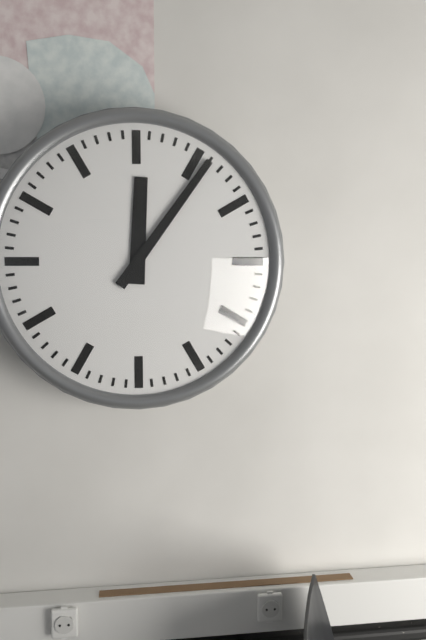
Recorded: {"hour": 12, "minute": 6}
